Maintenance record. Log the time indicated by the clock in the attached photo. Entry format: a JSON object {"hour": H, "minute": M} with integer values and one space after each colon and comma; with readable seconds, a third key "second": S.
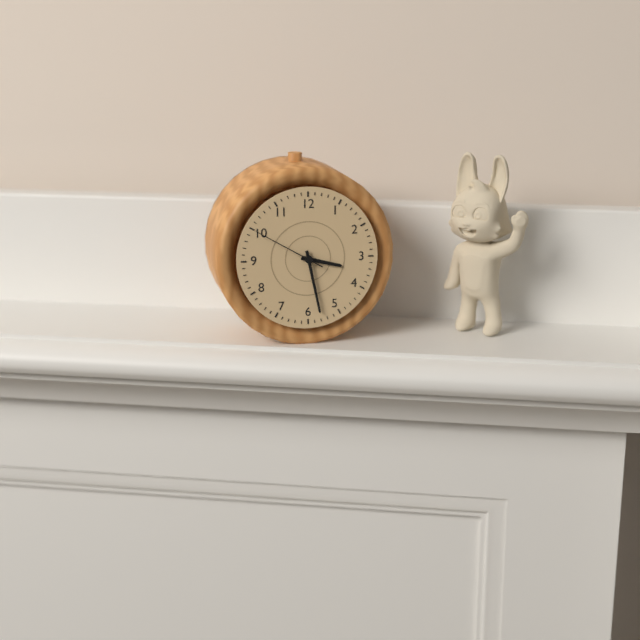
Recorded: {"hour": 3, "minute": 28, "second": 50}
